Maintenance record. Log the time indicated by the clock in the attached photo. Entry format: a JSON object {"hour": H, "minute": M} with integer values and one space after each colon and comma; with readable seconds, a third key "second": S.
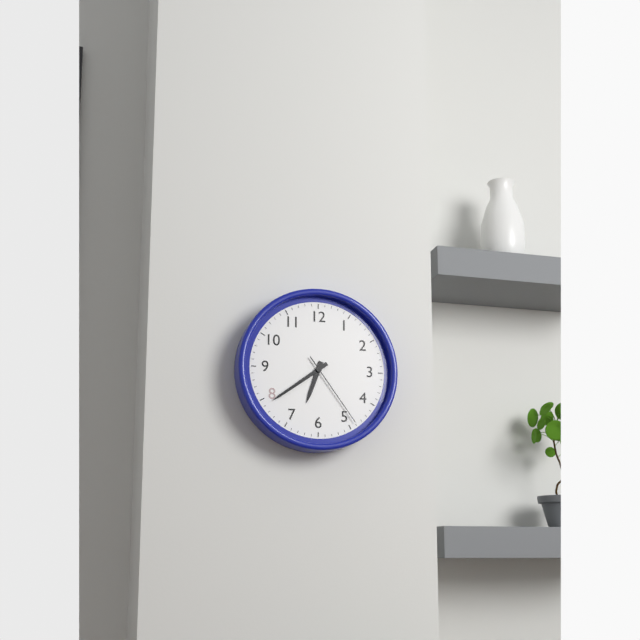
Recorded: {"hour": 6, "minute": 39, "second": 24}
